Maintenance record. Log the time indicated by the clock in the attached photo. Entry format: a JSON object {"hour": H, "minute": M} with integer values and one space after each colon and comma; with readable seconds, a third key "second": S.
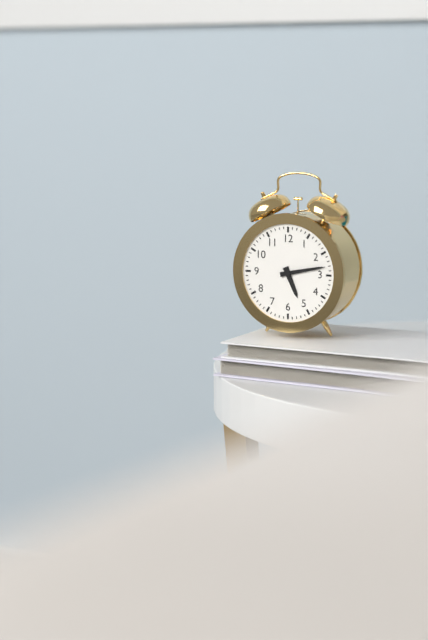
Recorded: {"hour": 5, "minute": 13}
